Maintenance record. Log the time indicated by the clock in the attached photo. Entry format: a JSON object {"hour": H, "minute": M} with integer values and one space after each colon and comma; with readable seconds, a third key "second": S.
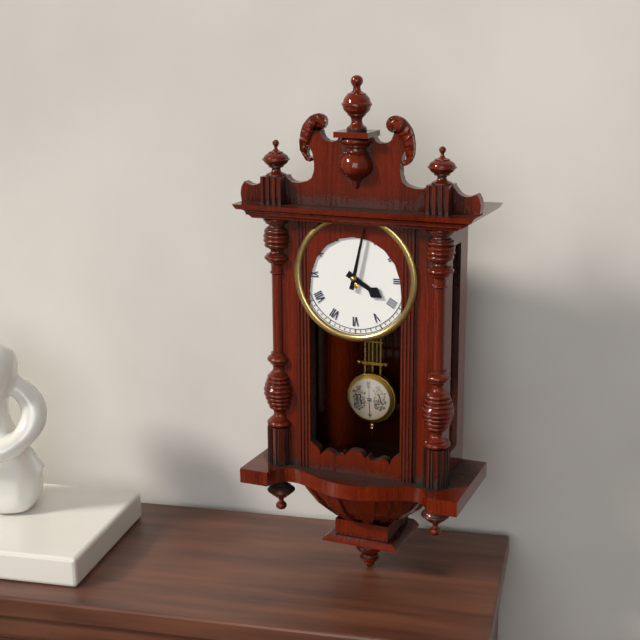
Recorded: {"hour": 4, "minute": 2}
